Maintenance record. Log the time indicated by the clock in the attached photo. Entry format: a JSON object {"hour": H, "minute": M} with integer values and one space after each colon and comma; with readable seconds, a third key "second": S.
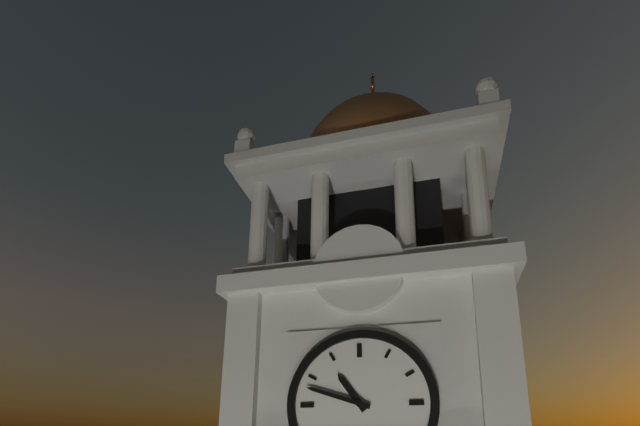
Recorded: {"hour": 10, "minute": 48}
